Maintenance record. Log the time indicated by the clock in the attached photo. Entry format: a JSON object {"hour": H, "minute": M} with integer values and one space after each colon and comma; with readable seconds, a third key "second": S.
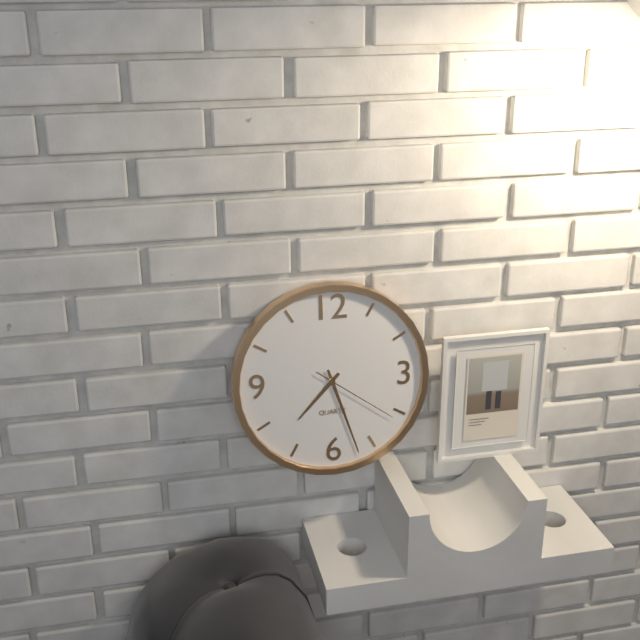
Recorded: {"hour": 7, "minute": 27, "second": 21}
